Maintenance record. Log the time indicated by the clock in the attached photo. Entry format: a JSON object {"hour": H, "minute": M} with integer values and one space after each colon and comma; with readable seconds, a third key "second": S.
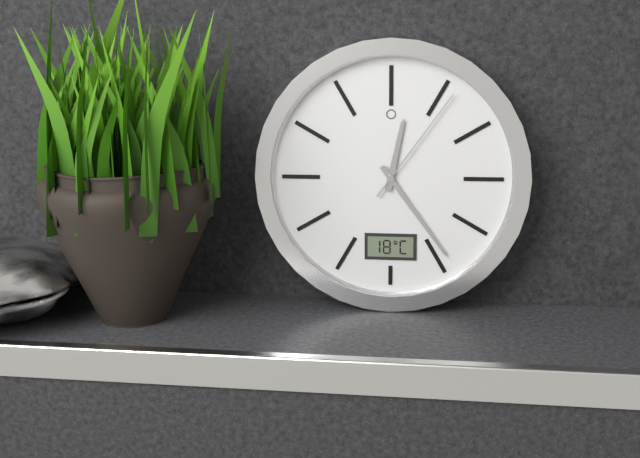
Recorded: {"hour": 12, "minute": 24, "second": 6}
